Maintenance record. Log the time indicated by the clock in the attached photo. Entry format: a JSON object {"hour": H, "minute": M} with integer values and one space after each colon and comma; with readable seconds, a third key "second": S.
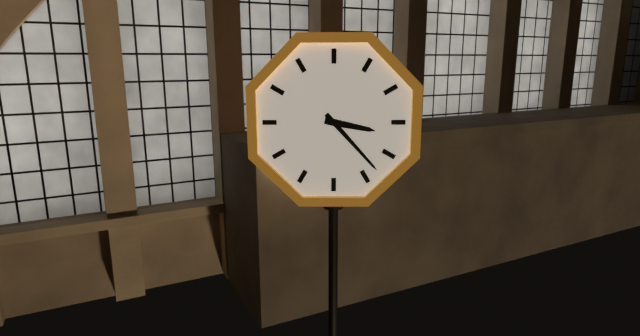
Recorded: {"hour": 3, "minute": 23}
